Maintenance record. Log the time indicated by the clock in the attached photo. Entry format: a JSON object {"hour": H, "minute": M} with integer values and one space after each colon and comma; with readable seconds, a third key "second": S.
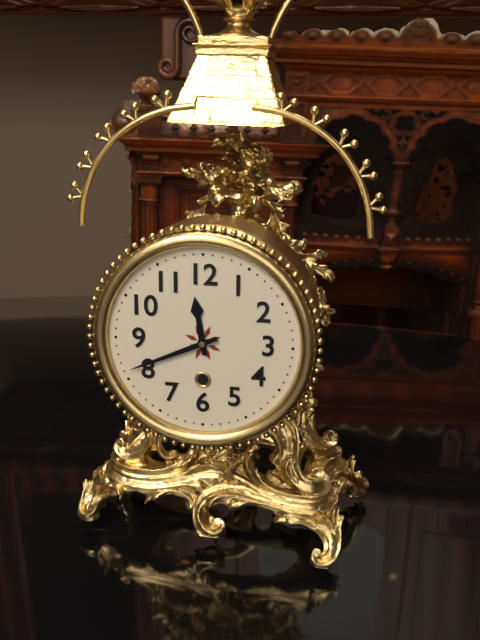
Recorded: {"hour": 11, "minute": 41}
